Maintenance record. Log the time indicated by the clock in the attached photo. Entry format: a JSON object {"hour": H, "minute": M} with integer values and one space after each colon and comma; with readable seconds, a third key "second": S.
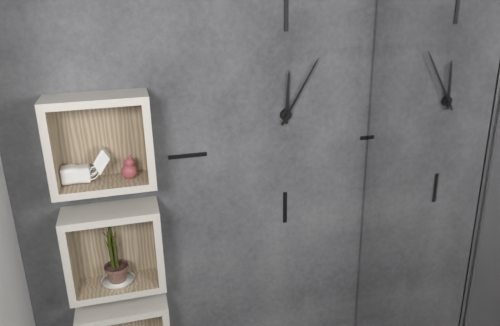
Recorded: {"hour": 12, "minute": 5}
